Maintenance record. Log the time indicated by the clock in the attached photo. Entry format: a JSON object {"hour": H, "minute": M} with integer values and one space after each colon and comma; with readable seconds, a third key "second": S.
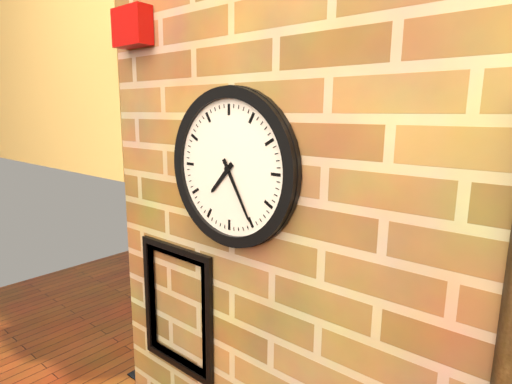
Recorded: {"hour": 7, "minute": 25}
